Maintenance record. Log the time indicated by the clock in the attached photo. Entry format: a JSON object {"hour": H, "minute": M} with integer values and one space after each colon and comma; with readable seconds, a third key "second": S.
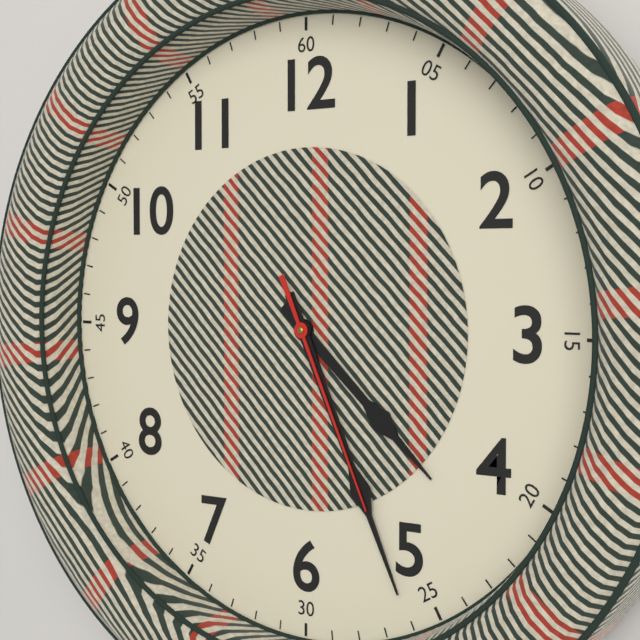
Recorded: {"hour": 4, "minute": 26, "second": 26}
